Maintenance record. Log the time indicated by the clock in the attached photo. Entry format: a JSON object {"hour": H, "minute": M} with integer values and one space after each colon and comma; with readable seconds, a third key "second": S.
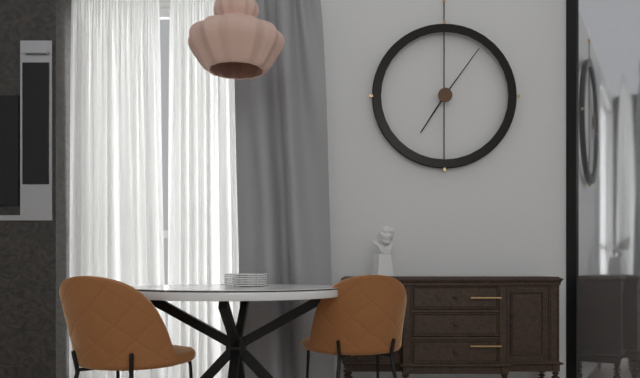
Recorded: {"hour": 7, "minute": 6}
